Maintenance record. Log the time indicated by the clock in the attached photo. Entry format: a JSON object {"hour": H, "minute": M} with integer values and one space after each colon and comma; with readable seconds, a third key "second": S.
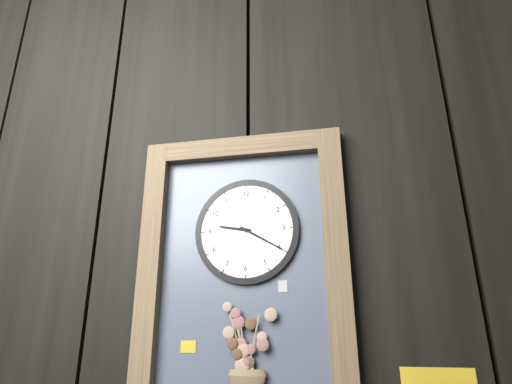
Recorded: {"hour": 9, "minute": 20}
